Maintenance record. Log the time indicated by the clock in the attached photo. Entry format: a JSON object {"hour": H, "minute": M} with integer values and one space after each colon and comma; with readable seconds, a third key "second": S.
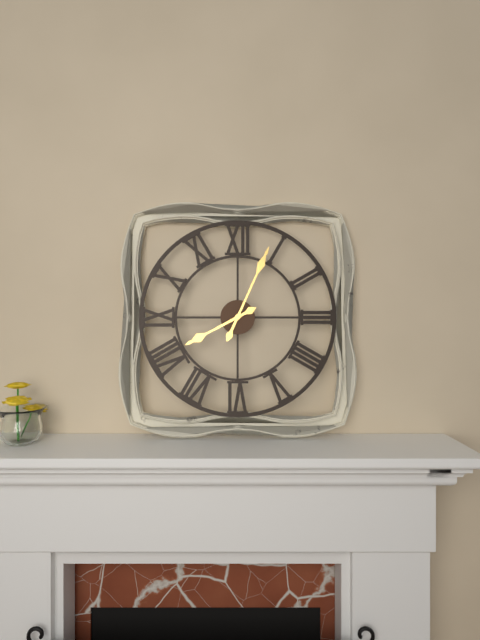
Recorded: {"hour": 8, "minute": 4}
